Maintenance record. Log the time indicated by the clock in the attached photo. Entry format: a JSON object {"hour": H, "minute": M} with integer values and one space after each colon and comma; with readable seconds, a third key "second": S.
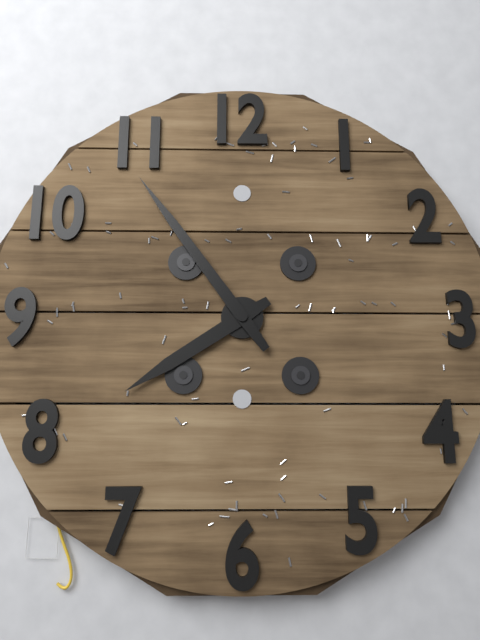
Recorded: {"hour": 7, "minute": 54}
